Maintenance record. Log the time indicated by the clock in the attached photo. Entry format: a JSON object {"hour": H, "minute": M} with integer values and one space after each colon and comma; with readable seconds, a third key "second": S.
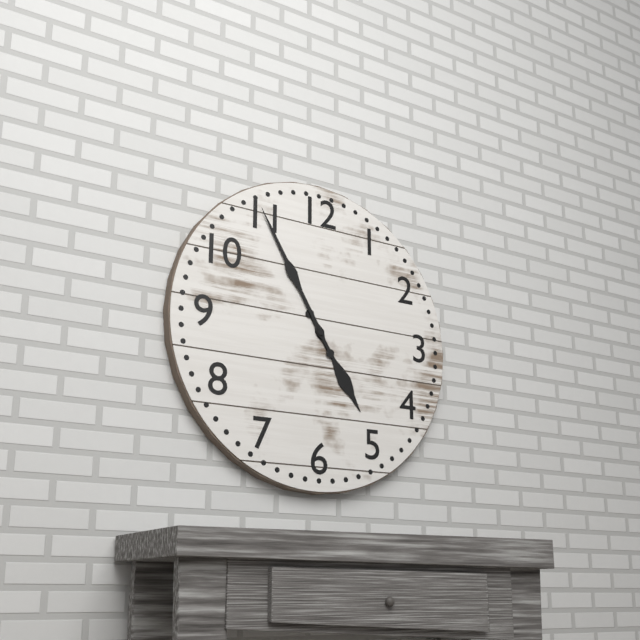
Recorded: {"hour": 4, "minute": 55}
